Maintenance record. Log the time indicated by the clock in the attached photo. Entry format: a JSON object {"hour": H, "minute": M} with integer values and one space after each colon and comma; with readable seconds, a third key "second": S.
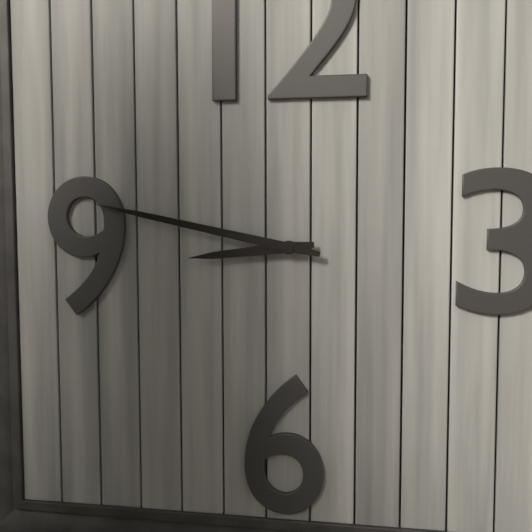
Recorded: {"hour": 8, "minute": 47}
